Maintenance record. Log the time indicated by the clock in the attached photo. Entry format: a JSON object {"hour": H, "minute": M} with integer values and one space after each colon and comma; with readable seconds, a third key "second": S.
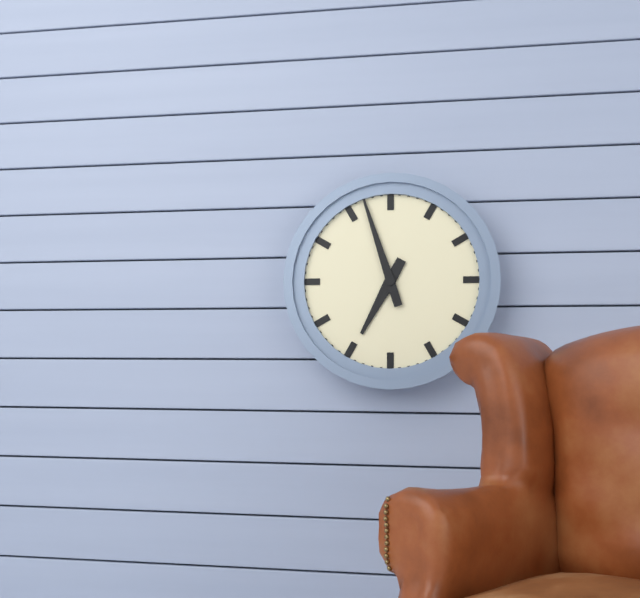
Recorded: {"hour": 6, "minute": 57}
